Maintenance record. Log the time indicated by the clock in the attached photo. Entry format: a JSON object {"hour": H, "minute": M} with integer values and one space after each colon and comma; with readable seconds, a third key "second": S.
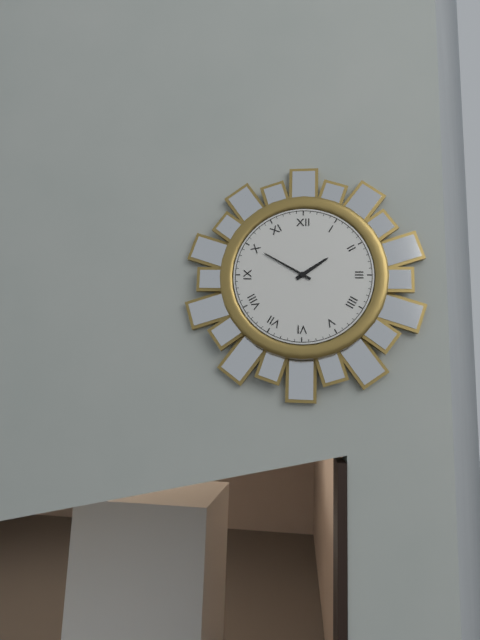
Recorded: {"hour": 1, "minute": 50}
